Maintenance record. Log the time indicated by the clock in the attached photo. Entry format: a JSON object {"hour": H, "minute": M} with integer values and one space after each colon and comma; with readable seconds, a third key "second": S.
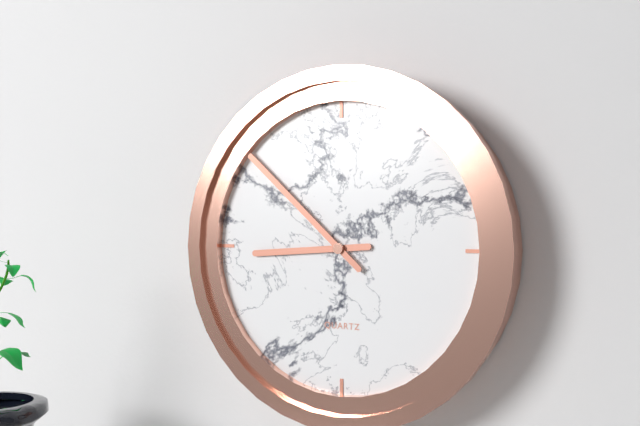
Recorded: {"hour": 8, "minute": 52}
